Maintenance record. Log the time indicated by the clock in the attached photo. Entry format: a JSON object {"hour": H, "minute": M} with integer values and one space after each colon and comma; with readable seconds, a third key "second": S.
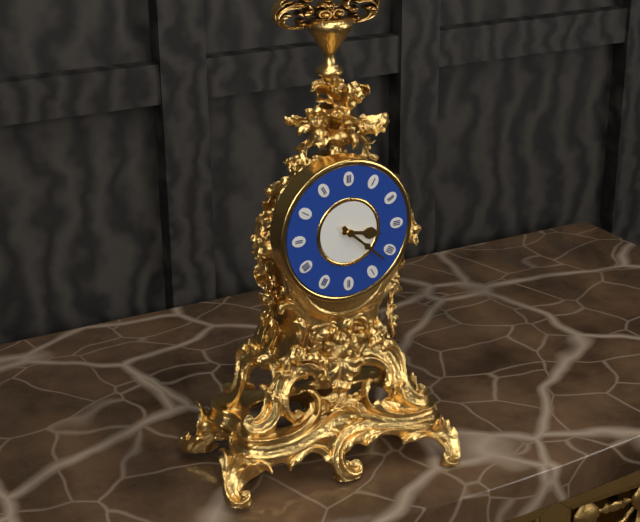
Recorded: {"hour": 3, "minute": 22}
